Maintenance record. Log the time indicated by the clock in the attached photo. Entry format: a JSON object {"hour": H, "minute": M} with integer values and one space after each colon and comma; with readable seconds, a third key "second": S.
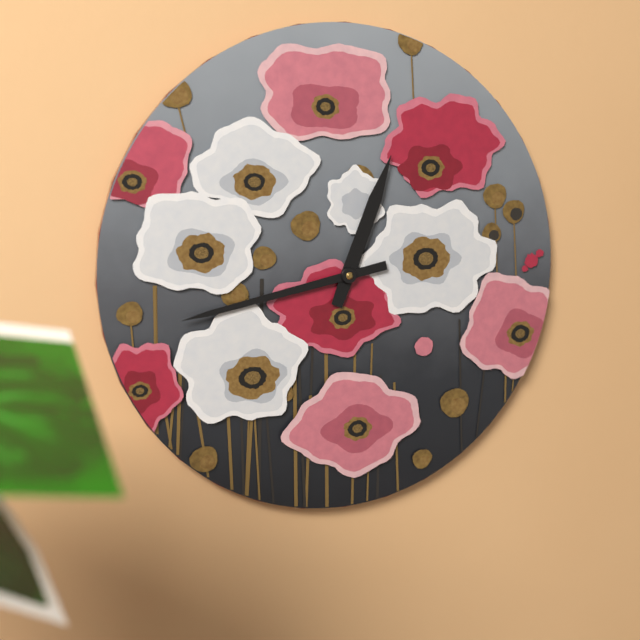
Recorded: {"hour": 12, "minute": 43}
